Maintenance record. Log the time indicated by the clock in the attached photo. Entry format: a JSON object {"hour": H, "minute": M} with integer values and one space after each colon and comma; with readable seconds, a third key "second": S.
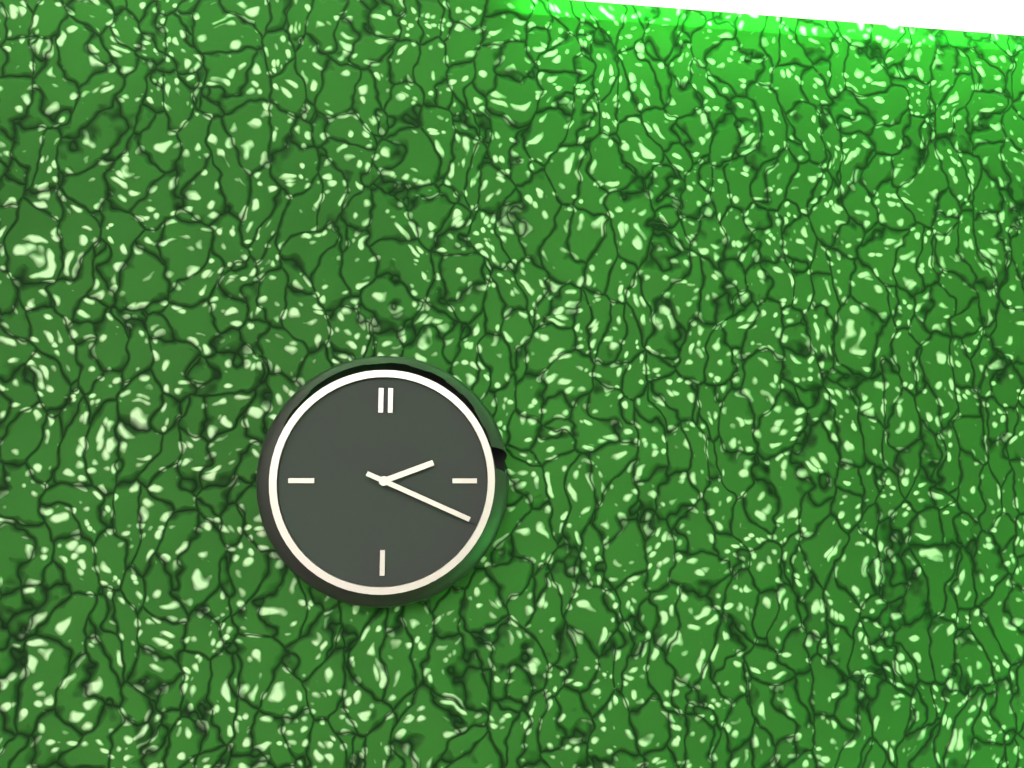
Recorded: {"hour": 2, "minute": 19}
